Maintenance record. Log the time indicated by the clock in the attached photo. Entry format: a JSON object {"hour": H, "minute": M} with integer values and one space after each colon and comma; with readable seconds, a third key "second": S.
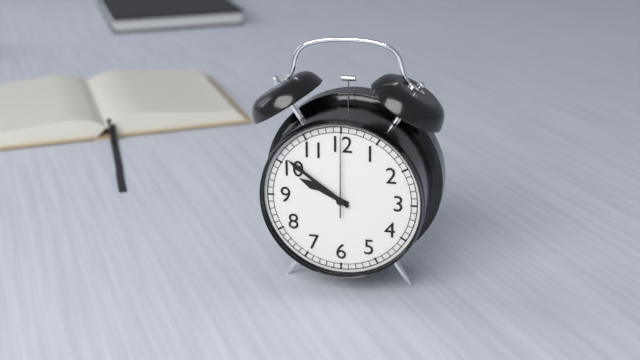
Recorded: {"hour": 9, "minute": 51, "second": 0}
